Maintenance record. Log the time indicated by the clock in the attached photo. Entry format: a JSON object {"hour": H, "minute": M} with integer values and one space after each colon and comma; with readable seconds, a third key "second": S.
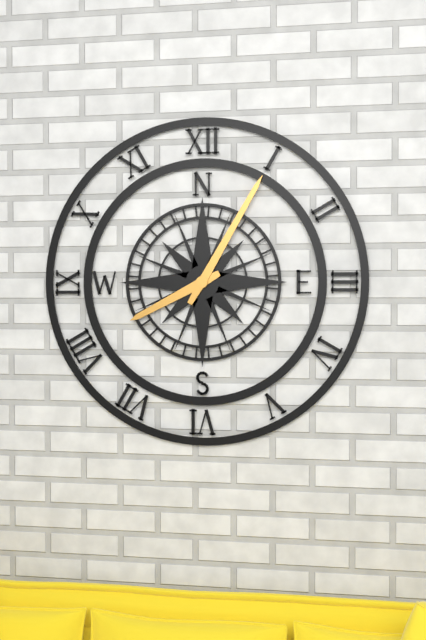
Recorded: {"hour": 8, "minute": 5}
